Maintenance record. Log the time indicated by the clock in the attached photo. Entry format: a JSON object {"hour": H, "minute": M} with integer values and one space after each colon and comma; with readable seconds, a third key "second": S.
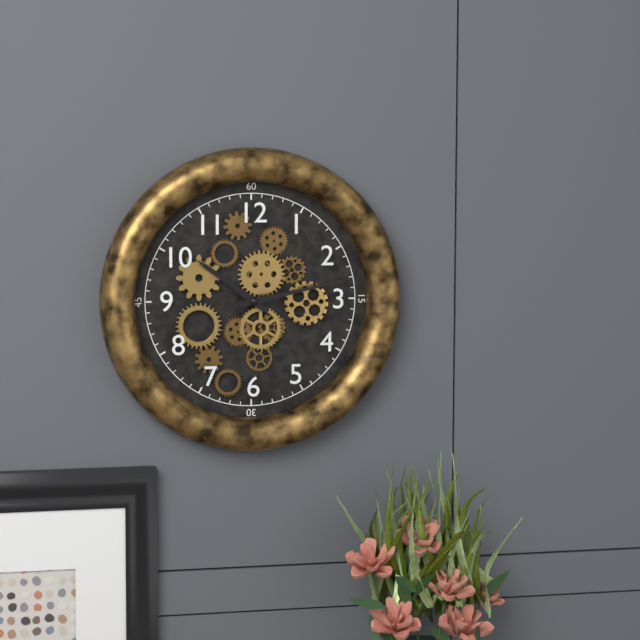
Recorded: {"hour": 10, "minute": 13}
